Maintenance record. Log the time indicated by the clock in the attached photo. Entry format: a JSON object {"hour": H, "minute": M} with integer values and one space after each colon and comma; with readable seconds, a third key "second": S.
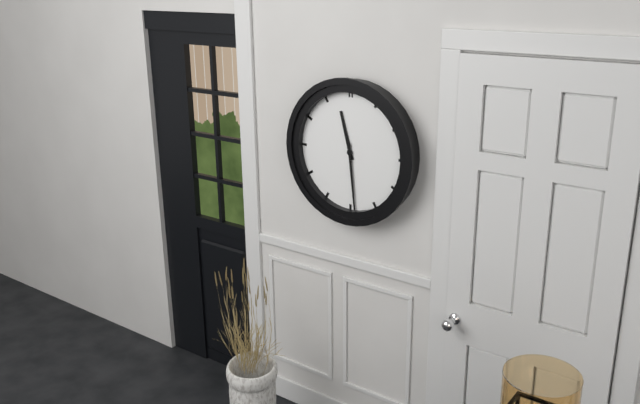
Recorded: {"hour": 11, "minute": 29}
